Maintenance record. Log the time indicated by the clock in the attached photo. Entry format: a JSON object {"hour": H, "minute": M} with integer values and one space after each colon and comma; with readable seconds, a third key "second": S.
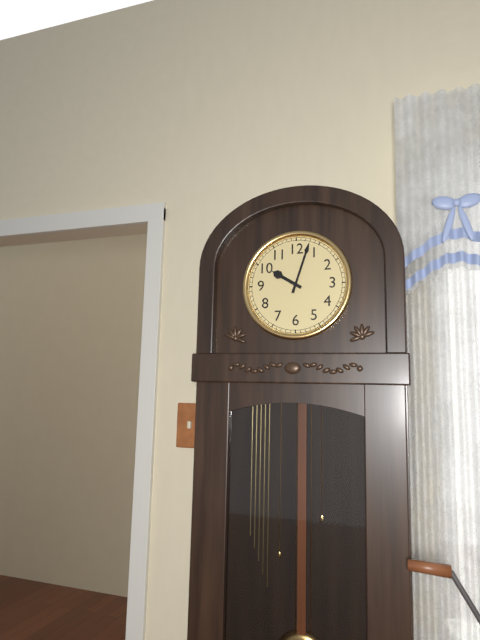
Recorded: {"hour": 10, "minute": 3}
